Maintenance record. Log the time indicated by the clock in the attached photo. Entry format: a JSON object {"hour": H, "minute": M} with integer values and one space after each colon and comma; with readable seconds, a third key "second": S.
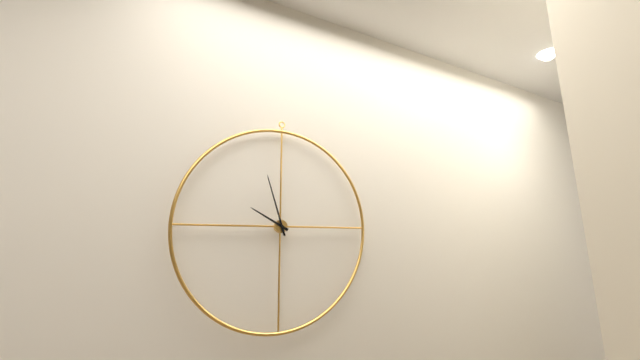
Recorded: {"hour": 9, "minute": 57}
